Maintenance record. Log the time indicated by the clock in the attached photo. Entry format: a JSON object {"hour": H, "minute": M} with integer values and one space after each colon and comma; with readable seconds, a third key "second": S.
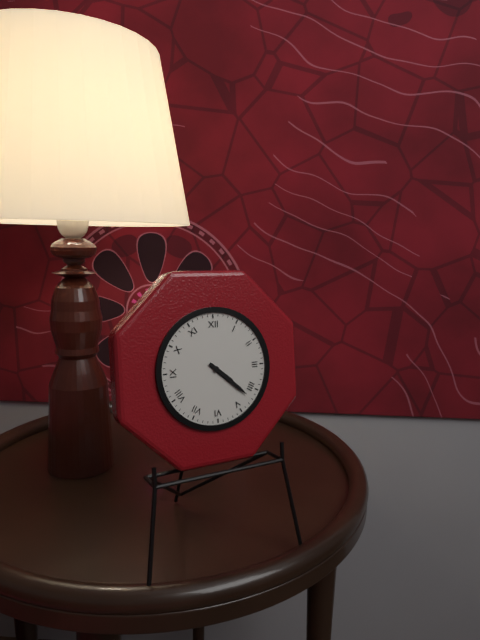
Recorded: {"hour": 4, "minute": 22}
